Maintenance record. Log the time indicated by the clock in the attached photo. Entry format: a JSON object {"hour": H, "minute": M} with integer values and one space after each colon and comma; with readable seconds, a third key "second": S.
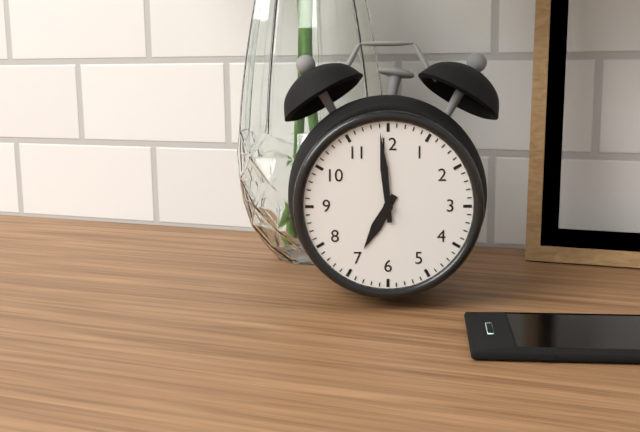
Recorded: {"hour": 6, "minute": 59}
